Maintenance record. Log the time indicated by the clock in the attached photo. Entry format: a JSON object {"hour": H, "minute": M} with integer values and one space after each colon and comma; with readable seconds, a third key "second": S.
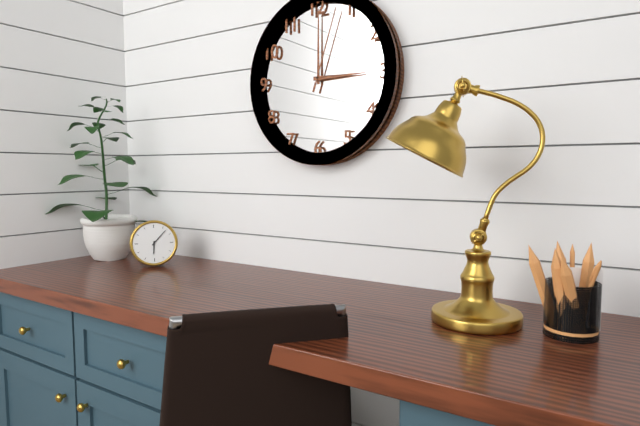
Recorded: {"hour": 6, "minute": 7}
